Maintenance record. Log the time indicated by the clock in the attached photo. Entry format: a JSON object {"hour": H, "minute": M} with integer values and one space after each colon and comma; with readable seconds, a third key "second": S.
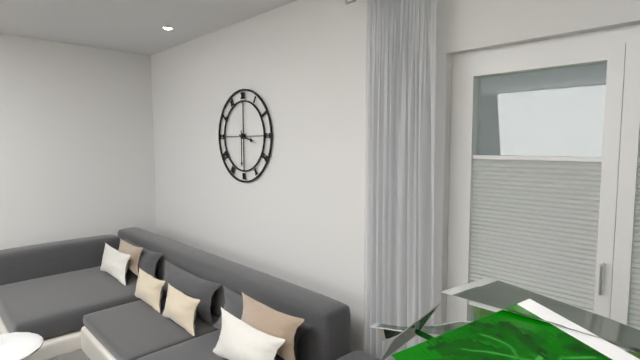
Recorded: {"hour": 3, "minute": 30}
